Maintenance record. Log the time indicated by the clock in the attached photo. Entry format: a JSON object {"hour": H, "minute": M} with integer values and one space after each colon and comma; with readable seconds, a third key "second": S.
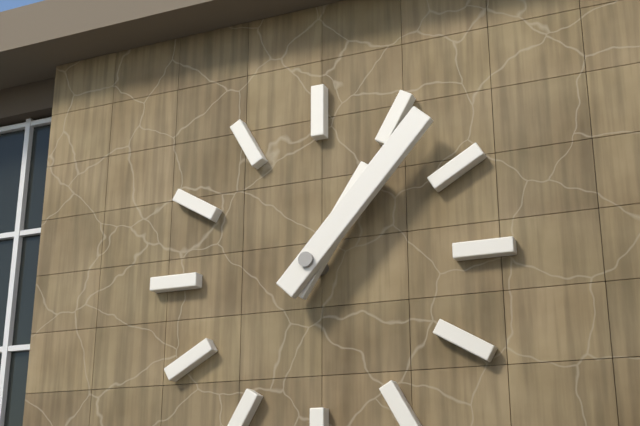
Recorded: {"hour": 1, "minute": 7}
